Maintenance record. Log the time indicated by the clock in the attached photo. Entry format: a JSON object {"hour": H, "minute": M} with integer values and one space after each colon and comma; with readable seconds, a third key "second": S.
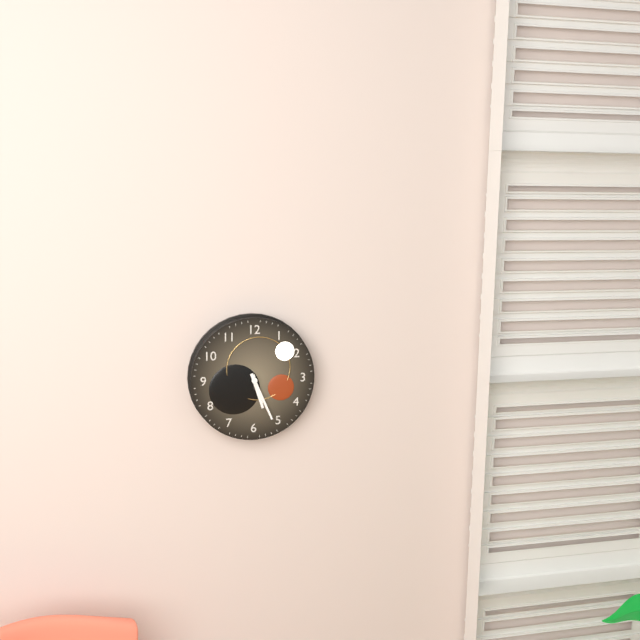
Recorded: {"hour": 5, "minute": 26}
